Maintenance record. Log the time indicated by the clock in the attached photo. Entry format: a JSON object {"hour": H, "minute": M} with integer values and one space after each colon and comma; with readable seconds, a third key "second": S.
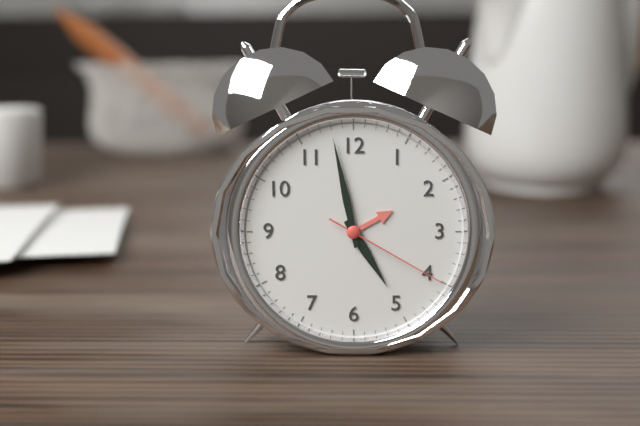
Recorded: {"hour": 4, "minute": 58, "second": 20}
